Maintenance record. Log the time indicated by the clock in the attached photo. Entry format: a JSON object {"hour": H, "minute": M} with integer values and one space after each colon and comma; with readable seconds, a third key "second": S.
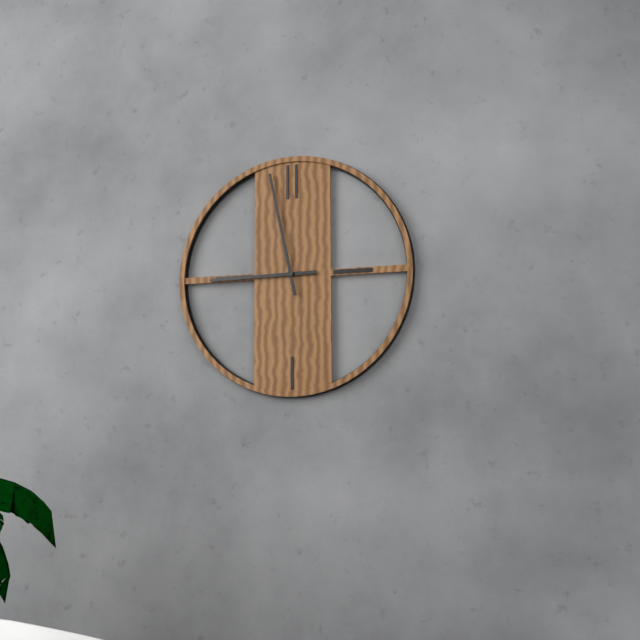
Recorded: {"hour": 8, "minute": 58}
